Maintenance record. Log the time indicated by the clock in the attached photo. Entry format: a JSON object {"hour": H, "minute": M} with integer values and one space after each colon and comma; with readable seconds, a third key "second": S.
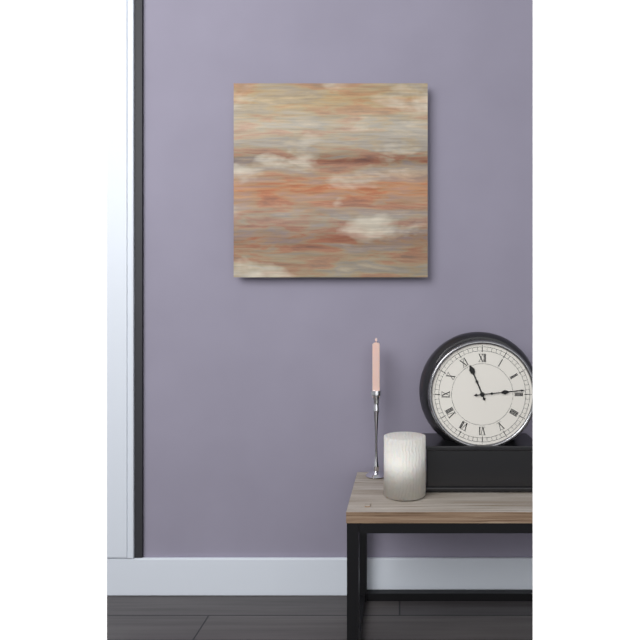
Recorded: {"hour": 11, "minute": 14}
